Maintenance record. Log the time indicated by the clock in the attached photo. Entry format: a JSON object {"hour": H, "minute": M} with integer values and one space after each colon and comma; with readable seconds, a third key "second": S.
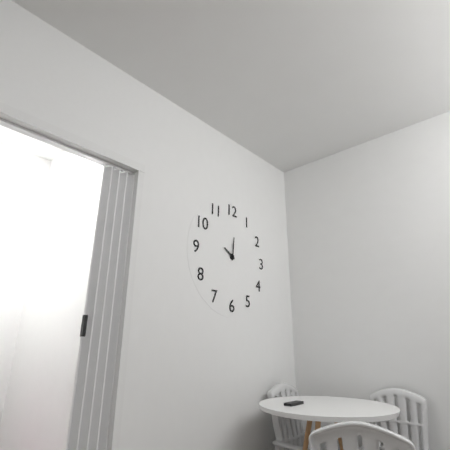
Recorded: {"hour": 10, "minute": 1}
